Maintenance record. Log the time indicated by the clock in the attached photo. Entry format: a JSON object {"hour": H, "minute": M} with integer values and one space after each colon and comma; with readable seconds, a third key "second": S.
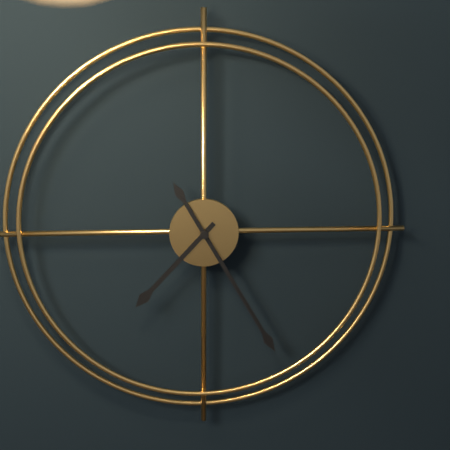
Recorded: {"hour": 7, "minute": 25}
